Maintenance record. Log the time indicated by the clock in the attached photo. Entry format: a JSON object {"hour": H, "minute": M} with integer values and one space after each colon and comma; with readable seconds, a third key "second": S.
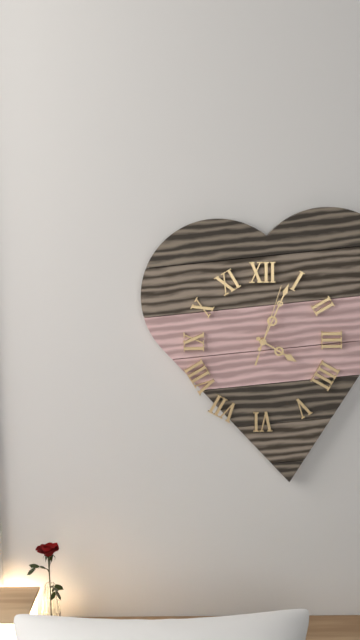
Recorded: {"hour": 4, "minute": 4, "second": 3}
